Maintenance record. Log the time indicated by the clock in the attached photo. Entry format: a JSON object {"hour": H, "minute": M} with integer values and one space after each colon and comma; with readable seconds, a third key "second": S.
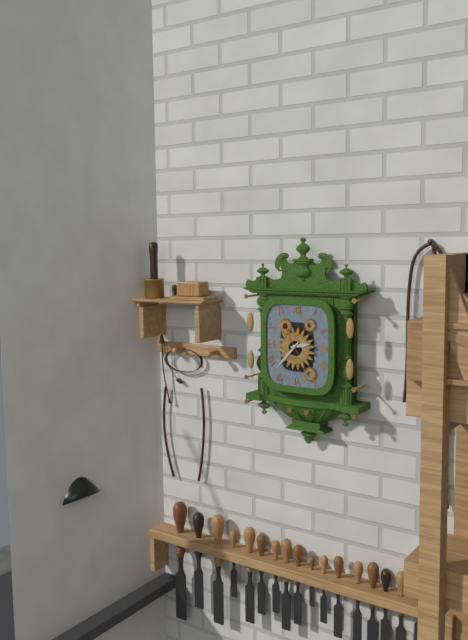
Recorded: {"hour": 2, "minute": 37}
